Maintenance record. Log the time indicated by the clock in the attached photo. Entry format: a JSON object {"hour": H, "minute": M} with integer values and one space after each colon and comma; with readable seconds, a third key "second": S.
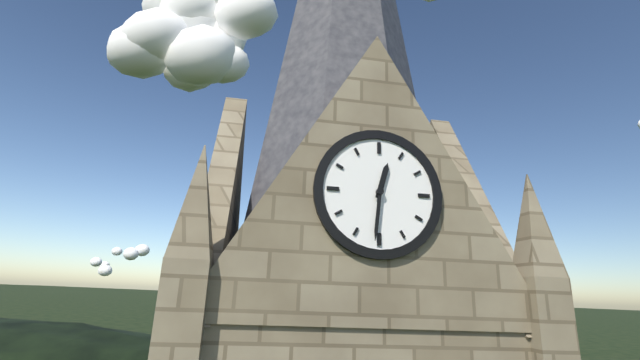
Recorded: {"hour": 12, "minute": 31}
